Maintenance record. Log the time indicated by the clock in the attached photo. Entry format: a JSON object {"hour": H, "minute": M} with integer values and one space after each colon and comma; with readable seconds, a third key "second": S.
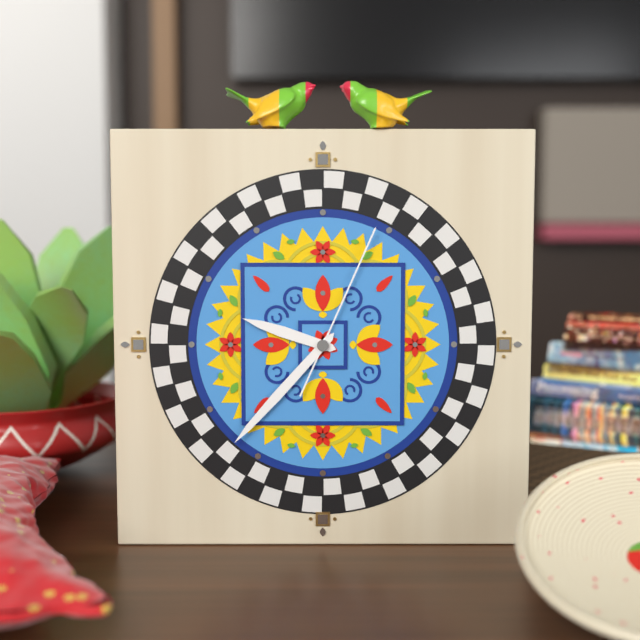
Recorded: {"hour": 9, "minute": 37, "second": 4}
